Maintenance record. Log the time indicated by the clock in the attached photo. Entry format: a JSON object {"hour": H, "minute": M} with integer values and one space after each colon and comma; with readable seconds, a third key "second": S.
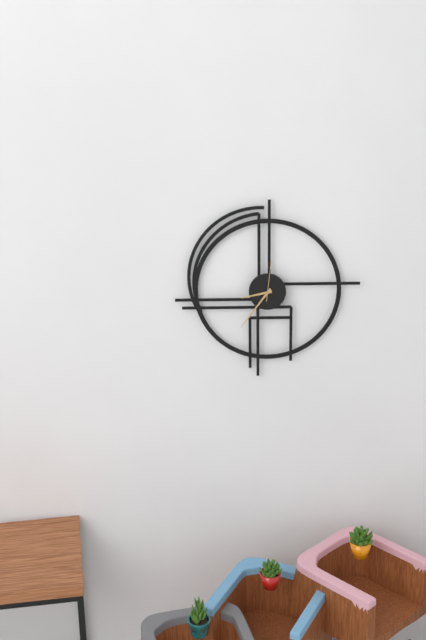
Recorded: {"hour": 8, "minute": 36}
